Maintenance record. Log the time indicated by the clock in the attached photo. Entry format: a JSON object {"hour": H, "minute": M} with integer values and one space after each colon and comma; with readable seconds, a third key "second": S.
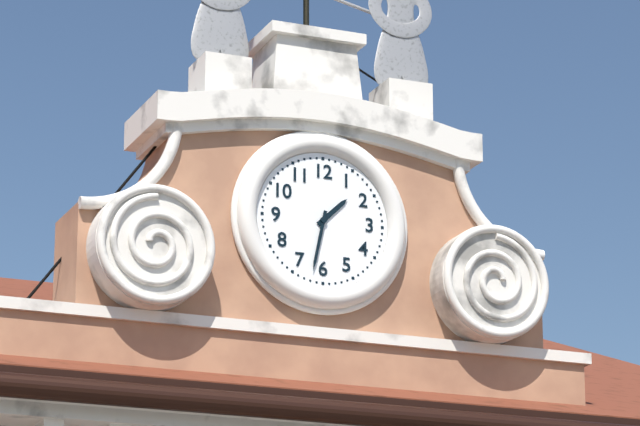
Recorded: {"hour": 1, "minute": 32}
